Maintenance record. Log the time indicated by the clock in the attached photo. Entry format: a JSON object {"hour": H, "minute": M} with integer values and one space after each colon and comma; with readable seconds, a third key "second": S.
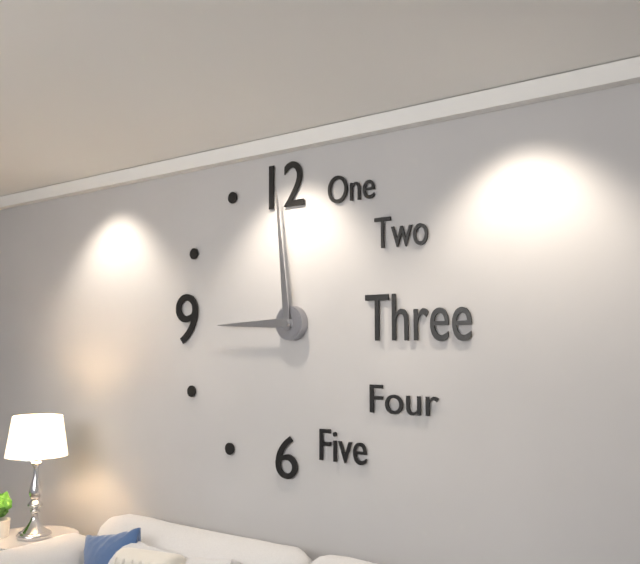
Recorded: {"hour": 8, "minute": 59}
